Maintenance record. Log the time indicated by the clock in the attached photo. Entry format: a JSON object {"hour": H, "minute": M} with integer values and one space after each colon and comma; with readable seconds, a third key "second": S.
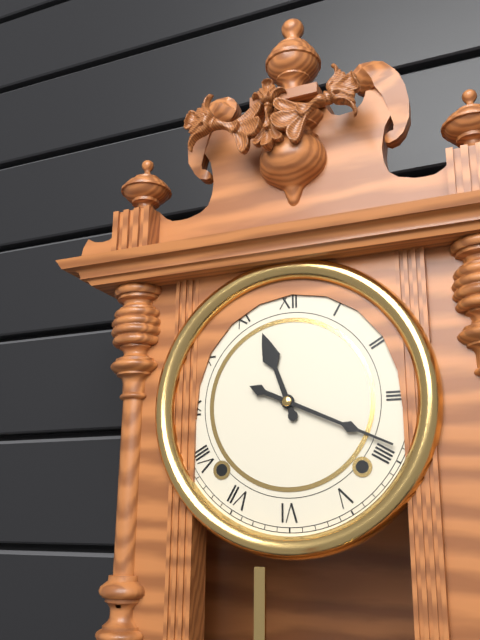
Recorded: {"hour": 11, "minute": 19}
